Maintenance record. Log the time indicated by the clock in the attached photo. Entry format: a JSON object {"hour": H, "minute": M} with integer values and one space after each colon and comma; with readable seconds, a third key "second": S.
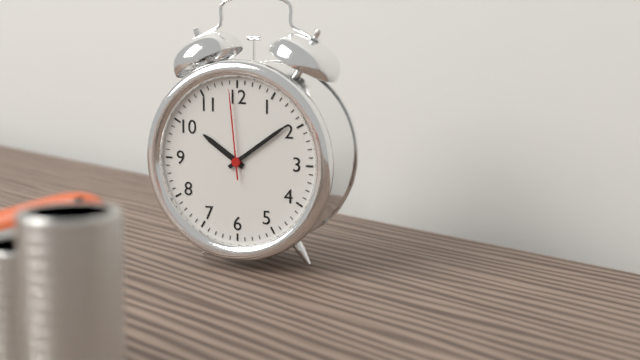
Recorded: {"hour": 10, "minute": 9, "second": 59}
